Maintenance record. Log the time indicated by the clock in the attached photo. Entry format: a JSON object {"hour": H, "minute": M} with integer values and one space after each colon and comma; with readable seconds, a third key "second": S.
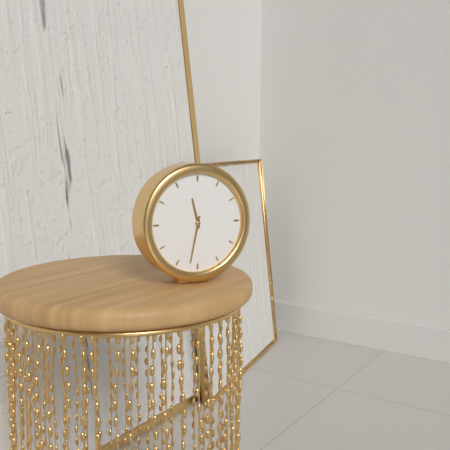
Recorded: {"hour": 11, "minute": 32}
